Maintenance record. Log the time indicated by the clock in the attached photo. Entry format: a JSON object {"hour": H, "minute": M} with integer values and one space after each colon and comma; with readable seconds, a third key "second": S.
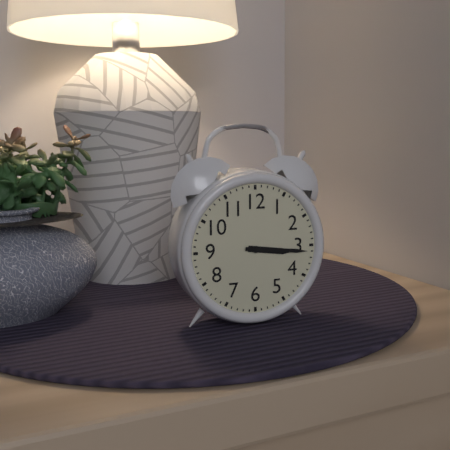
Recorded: {"hour": 3, "minute": 16}
